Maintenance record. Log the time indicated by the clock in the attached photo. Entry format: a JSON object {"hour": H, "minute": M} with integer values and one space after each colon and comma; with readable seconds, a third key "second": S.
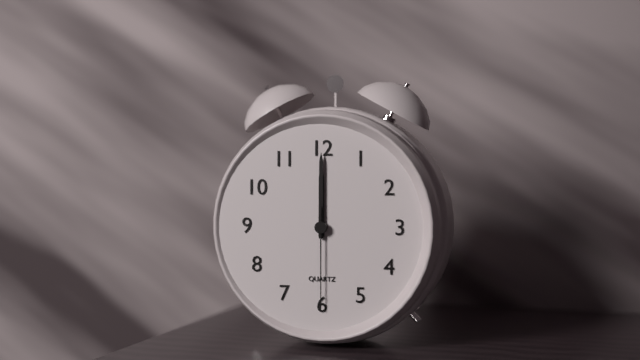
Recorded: {"hour": 12, "minute": 0, "second": 30}
